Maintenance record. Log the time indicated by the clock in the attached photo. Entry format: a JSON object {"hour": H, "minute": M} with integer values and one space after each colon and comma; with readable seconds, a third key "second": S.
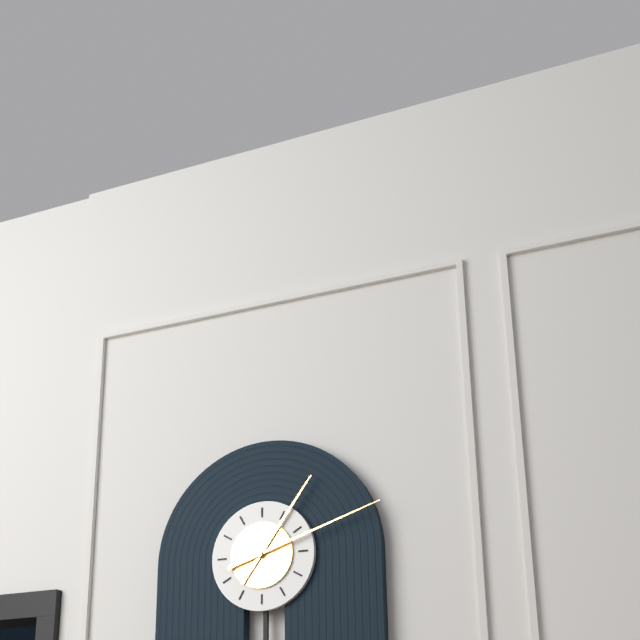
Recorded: {"hour": 1, "minute": 12}
